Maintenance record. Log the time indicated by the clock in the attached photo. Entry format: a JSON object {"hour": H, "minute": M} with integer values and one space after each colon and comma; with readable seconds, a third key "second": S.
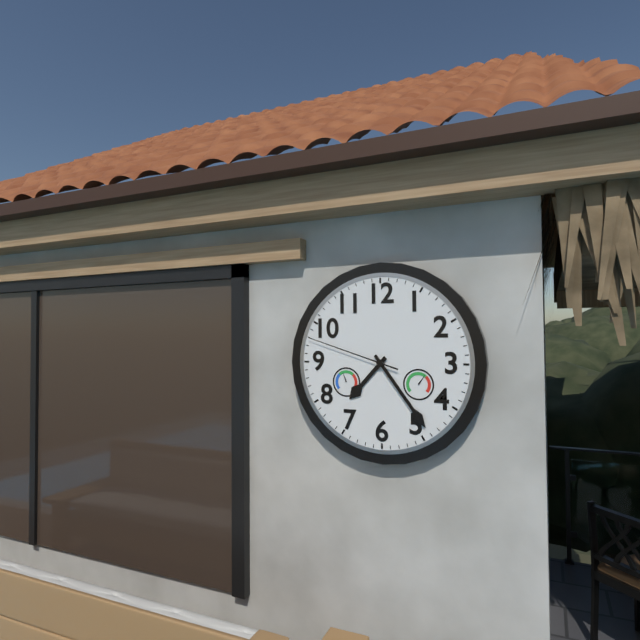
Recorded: {"hour": 7, "minute": 24, "second": 48}
